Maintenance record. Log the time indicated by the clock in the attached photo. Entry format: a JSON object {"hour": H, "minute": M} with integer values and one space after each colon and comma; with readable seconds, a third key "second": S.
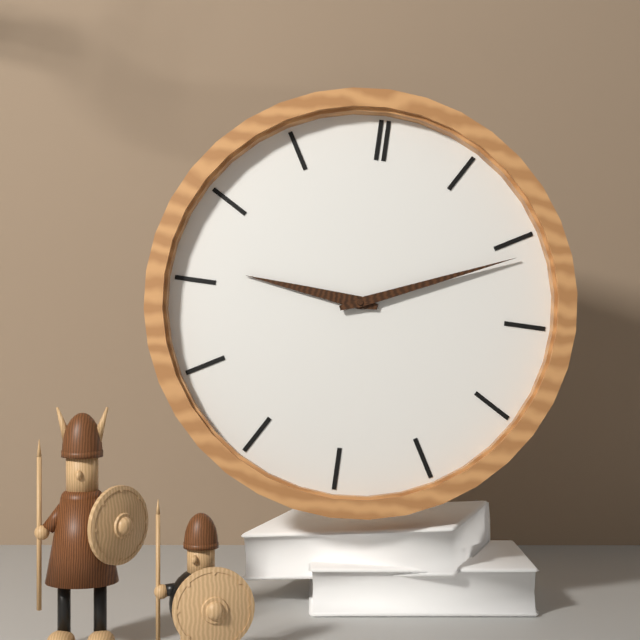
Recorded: {"hour": 9, "minute": 11}
